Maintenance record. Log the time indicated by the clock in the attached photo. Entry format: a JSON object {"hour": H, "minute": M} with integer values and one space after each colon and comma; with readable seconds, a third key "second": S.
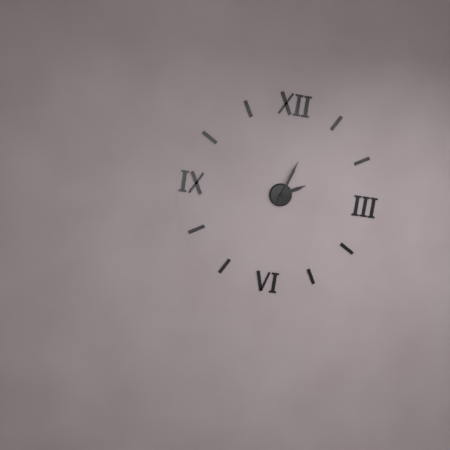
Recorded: {"hour": 2, "minute": 3}
